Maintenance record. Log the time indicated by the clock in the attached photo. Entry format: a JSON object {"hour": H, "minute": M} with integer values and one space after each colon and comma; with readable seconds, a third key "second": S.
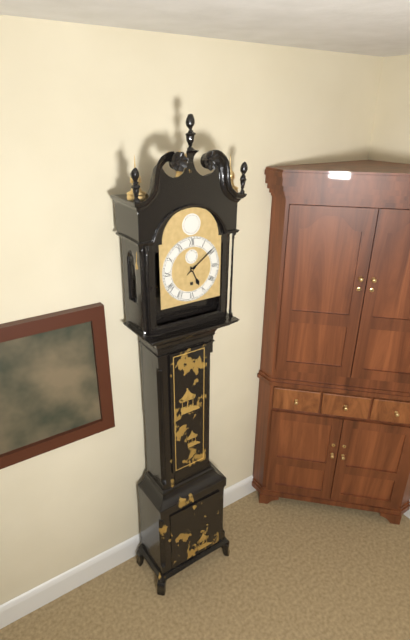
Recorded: {"hour": 5, "minute": 9}
